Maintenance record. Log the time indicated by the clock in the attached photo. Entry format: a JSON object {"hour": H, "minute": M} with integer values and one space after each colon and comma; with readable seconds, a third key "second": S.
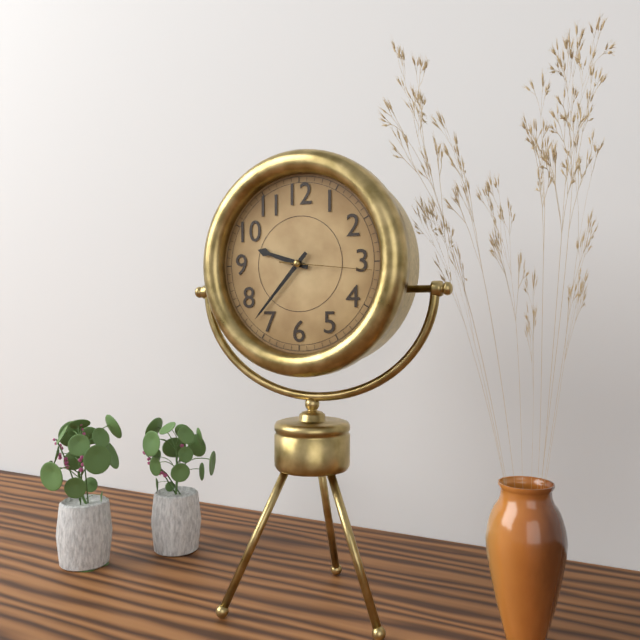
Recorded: {"hour": 9, "minute": 37, "second": 16}
